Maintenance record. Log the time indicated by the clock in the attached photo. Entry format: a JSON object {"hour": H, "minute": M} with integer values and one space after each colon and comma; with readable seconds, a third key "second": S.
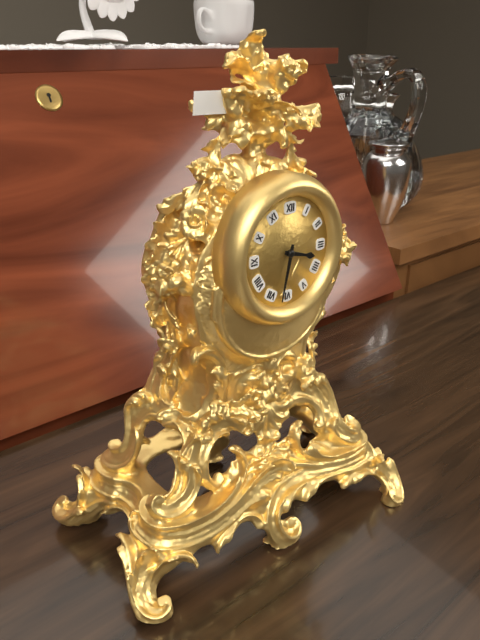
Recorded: {"hour": 3, "minute": 32}
